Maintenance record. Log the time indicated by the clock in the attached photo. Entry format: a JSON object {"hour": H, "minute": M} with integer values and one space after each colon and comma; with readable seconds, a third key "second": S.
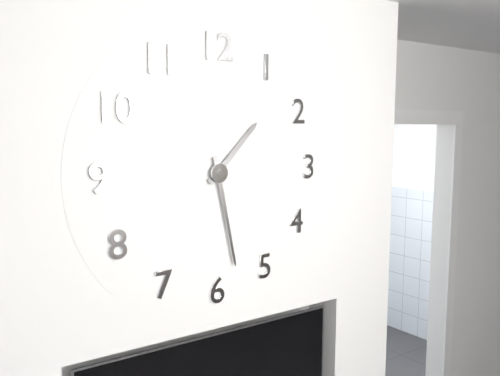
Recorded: {"hour": 1, "minute": 28}
